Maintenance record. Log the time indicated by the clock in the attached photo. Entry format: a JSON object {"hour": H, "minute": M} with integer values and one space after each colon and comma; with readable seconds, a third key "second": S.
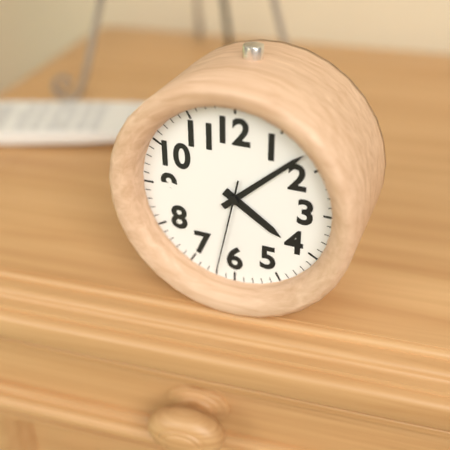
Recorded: {"hour": 4, "minute": 8, "second": 32}
